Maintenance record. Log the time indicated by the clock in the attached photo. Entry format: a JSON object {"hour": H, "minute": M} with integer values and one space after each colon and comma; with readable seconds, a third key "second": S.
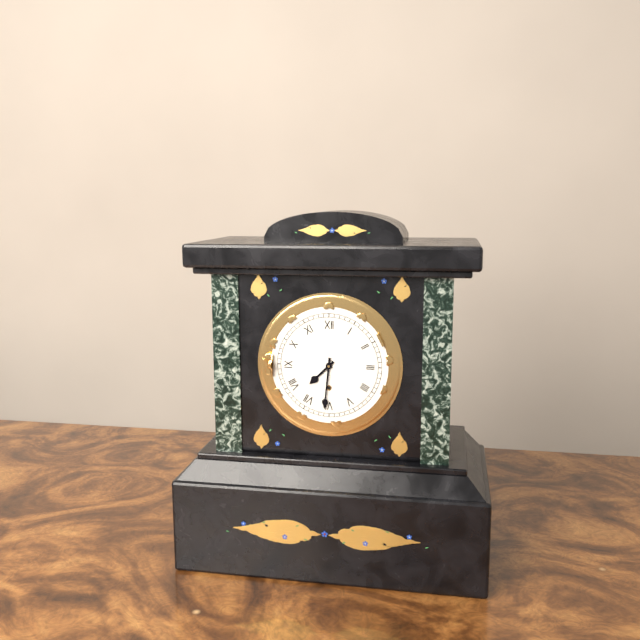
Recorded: {"hour": 7, "minute": 31}
